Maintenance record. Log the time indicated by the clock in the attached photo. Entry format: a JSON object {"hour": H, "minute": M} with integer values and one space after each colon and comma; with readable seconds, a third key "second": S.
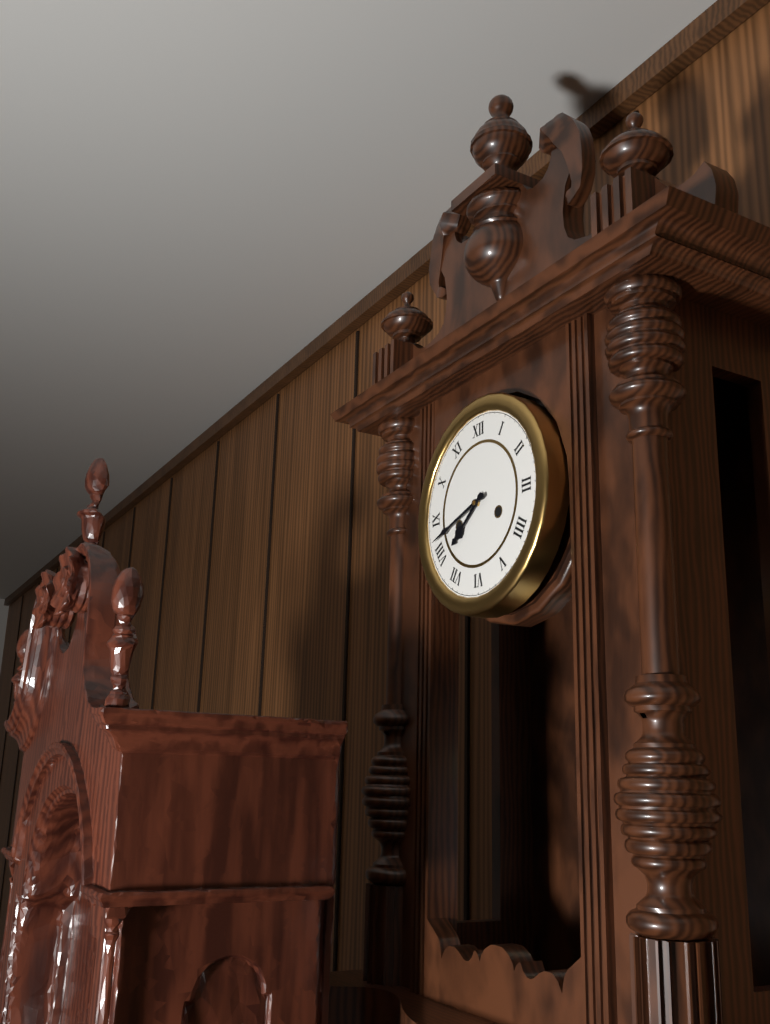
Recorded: {"hour": 7, "minute": 42}
